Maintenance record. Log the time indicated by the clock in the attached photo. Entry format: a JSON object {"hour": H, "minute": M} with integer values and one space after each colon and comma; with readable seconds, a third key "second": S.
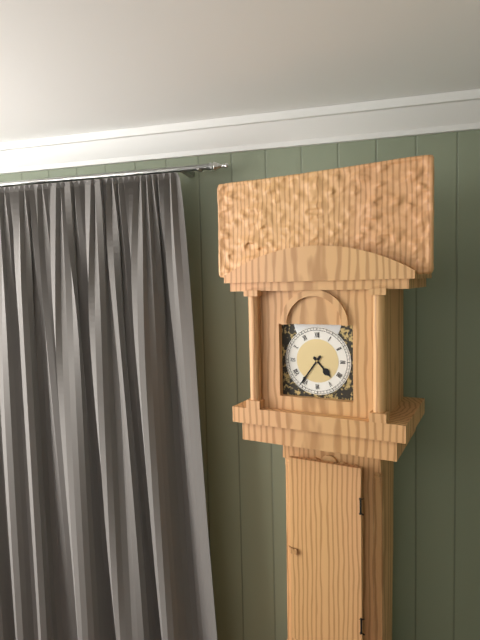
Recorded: {"hour": 4, "minute": 36}
